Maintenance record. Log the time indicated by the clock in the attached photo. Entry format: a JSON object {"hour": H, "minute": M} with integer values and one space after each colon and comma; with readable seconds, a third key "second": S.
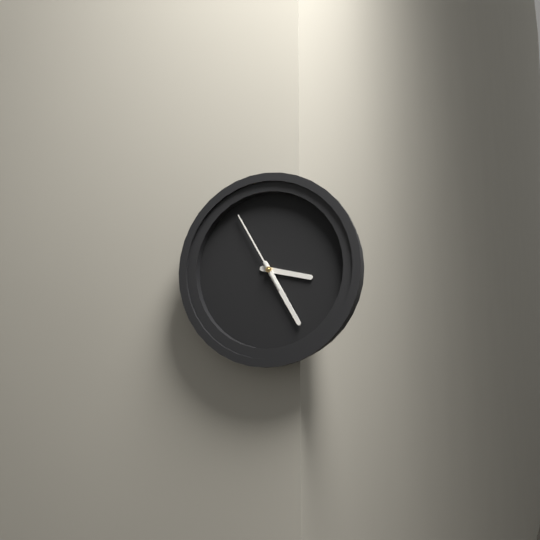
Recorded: {"hour": 3, "minute": 25, "second": 55}
